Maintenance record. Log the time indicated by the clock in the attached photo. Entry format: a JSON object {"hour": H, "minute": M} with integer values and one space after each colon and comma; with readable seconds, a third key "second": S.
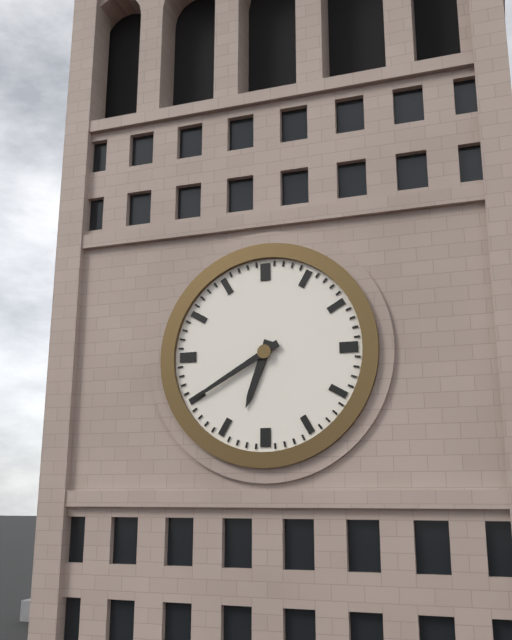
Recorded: {"hour": 6, "minute": 40}
